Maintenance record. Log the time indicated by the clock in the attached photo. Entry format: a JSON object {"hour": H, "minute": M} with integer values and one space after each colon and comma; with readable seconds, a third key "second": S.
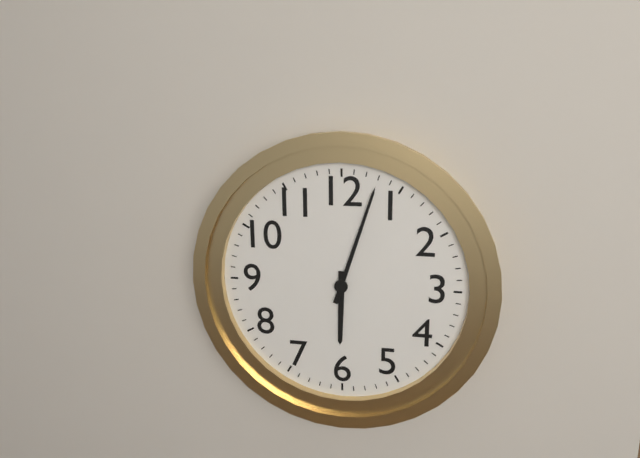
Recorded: {"hour": 6, "minute": 3}
